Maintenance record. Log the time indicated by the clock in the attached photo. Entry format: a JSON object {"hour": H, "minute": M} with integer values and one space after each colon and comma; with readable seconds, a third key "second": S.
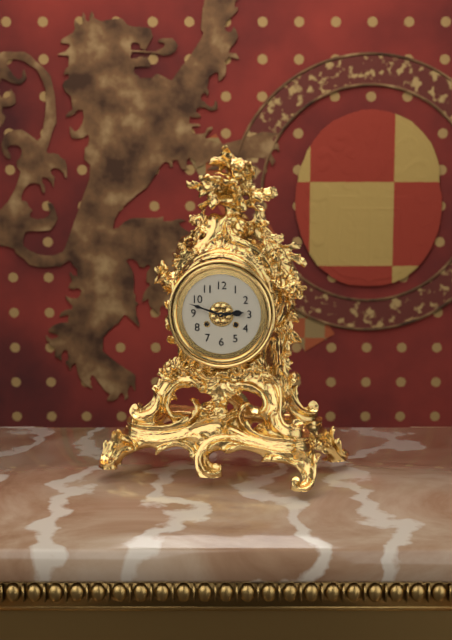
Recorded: {"hour": 2, "minute": 48}
